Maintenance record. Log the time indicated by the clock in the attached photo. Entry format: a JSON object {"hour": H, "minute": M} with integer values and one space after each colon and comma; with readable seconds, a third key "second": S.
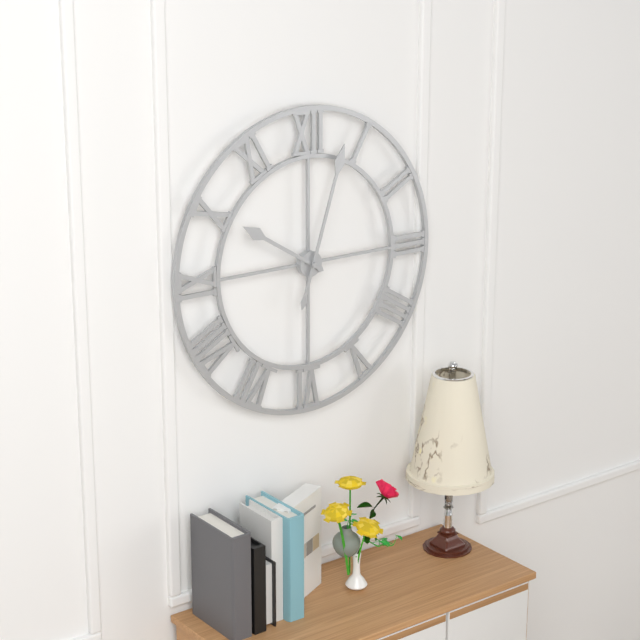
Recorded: {"hour": 10, "minute": 3}
